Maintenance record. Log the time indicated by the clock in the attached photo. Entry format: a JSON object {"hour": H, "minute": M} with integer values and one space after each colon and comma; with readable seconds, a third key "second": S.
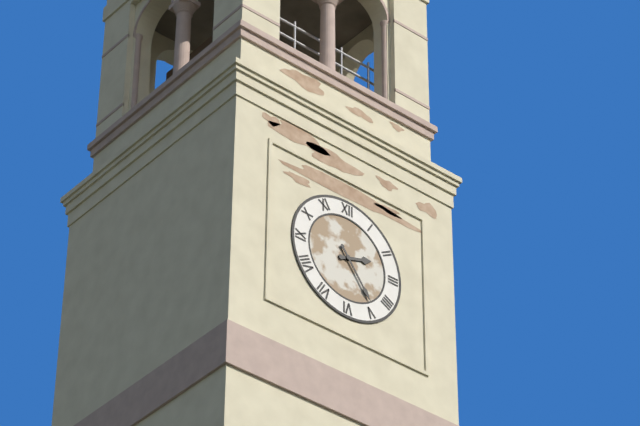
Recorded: {"hour": 2, "minute": 24}
